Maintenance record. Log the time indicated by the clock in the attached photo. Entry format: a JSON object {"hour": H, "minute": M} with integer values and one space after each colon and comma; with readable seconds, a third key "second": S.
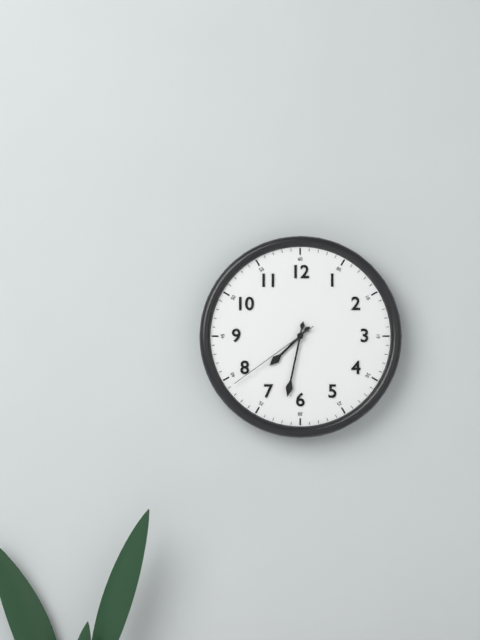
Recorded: {"hour": 7, "minute": 32, "second": 39}
